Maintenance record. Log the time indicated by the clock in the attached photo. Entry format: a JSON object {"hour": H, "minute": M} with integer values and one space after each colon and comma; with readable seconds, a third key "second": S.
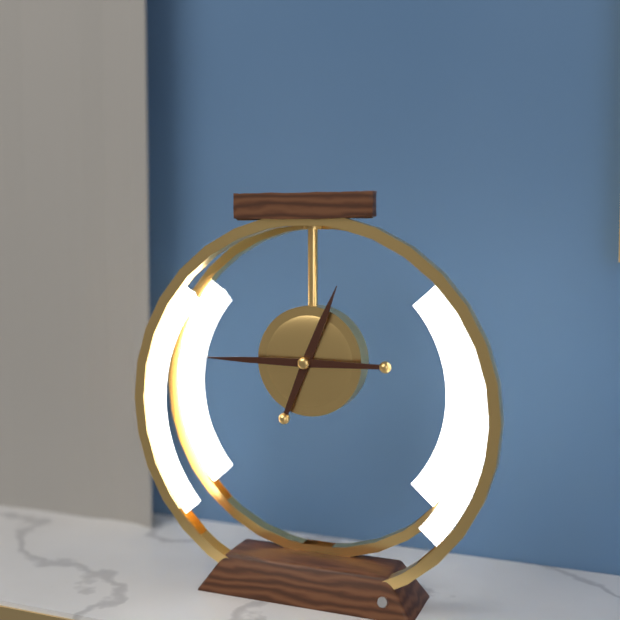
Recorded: {"hour": 12, "minute": 45}
